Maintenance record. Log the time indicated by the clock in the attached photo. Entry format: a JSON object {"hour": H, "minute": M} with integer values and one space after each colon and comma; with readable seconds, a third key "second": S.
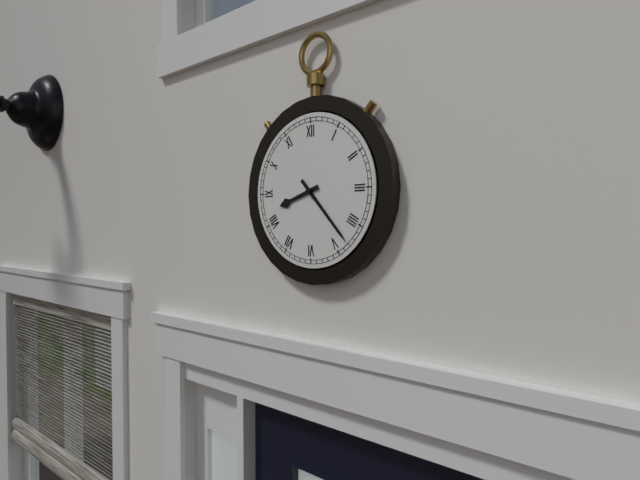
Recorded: {"hour": 8, "minute": 23}
